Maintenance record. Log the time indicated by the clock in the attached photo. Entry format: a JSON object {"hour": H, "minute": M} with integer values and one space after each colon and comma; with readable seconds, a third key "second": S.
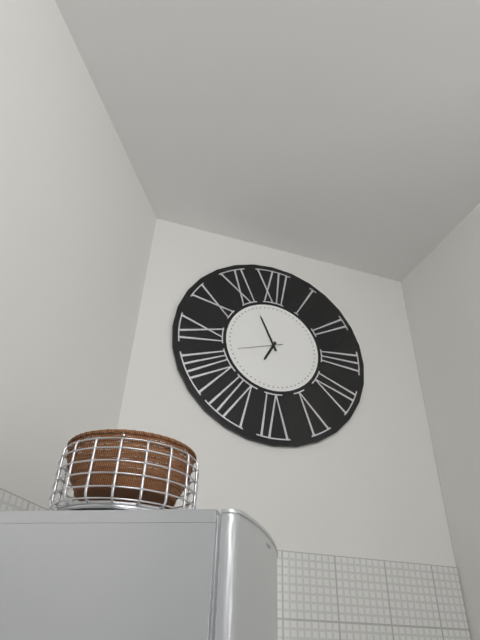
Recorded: {"hour": 6, "minute": 56}
